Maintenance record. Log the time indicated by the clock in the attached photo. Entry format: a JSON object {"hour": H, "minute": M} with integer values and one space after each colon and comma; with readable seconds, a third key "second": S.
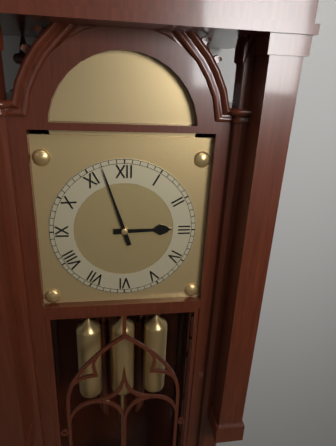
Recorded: {"hour": 2, "minute": 57}
